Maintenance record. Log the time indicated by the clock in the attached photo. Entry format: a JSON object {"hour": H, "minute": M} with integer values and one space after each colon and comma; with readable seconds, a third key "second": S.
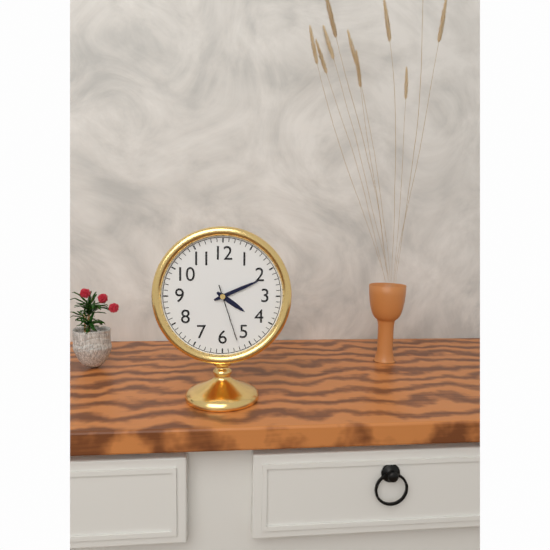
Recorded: {"hour": 4, "minute": 11, "second": 27}
